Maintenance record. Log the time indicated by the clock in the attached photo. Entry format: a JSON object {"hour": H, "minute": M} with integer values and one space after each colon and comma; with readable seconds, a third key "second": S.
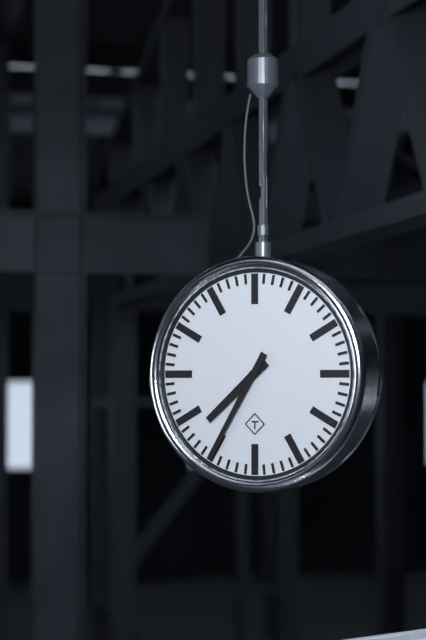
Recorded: {"hour": 7, "minute": 35}
